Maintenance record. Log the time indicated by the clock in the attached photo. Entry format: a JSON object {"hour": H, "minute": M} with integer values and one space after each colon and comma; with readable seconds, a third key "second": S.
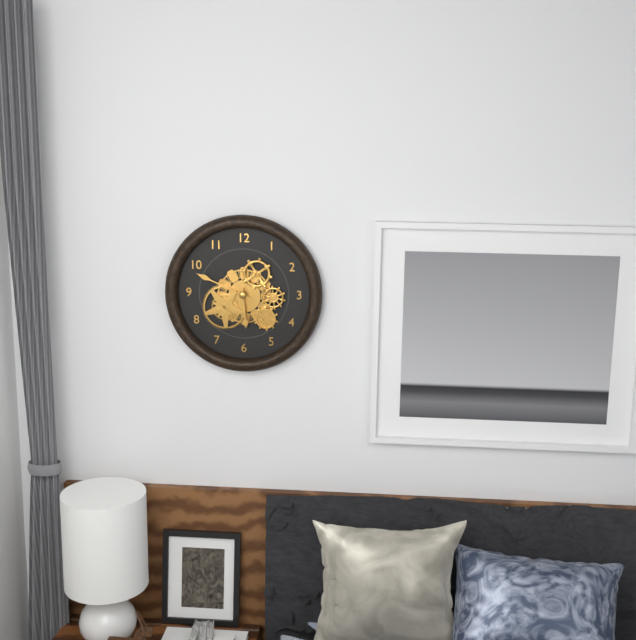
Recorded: {"hour": 5, "minute": 49}
